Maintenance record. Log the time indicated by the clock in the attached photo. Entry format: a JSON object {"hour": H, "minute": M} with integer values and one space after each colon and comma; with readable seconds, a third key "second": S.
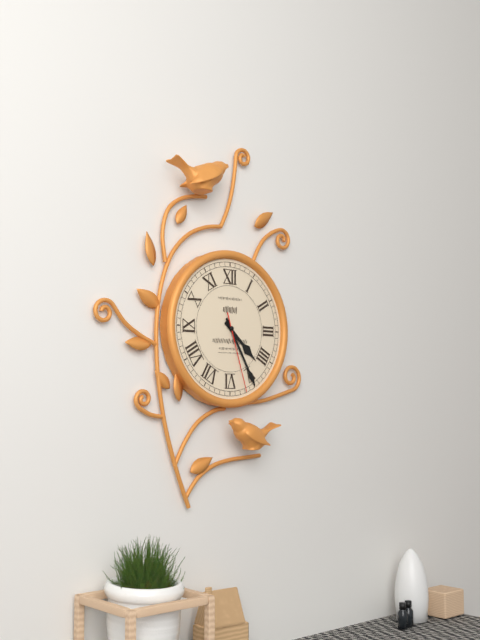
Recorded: {"hour": 4, "minute": 25, "second": 27}
